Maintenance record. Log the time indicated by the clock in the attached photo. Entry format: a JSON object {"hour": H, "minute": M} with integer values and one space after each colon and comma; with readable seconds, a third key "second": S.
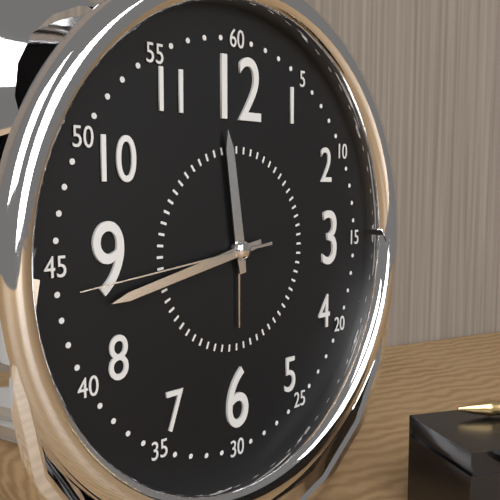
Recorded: {"hour": 11, "minute": 43, "second": 44}
